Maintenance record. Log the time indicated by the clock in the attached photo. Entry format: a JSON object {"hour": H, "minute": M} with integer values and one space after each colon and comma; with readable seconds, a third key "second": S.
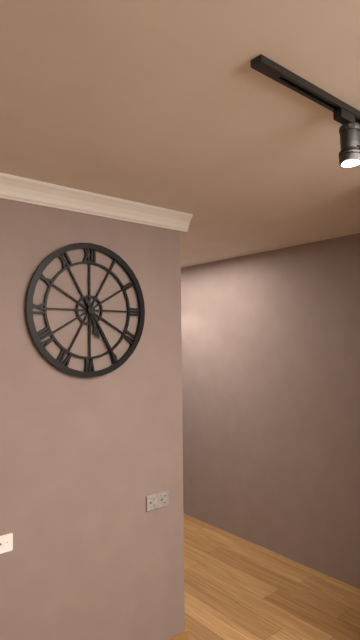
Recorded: {"hour": 5, "minute": 25}
